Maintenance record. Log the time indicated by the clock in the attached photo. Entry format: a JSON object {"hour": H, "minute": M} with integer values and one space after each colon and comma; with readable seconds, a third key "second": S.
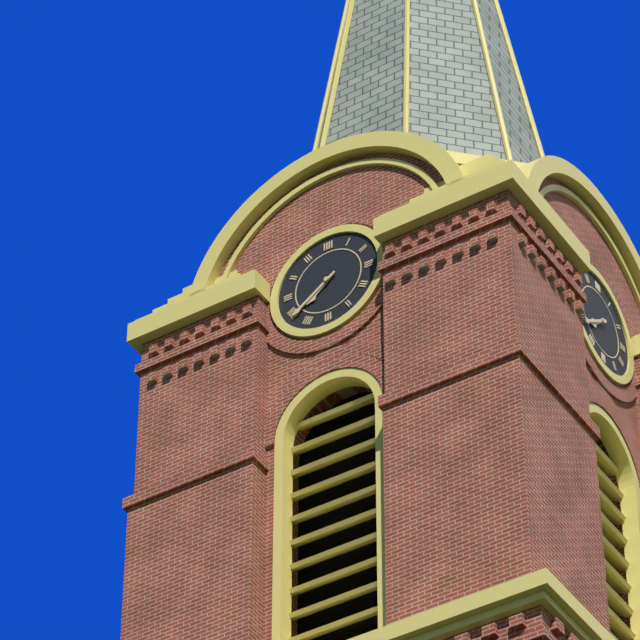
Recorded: {"hour": 7, "minute": 39}
